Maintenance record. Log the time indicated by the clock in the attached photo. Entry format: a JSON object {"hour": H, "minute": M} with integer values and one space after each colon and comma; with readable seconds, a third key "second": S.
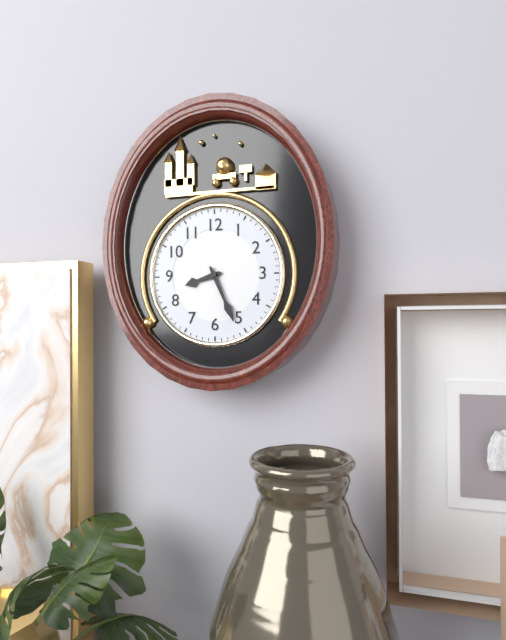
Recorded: {"hour": 8, "minute": 26}
